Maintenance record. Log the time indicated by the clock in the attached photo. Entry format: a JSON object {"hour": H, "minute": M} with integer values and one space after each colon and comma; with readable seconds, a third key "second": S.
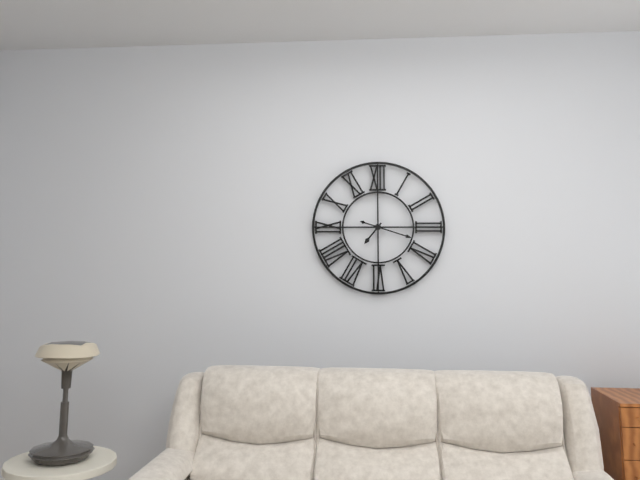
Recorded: {"hour": 7, "minute": 18}
